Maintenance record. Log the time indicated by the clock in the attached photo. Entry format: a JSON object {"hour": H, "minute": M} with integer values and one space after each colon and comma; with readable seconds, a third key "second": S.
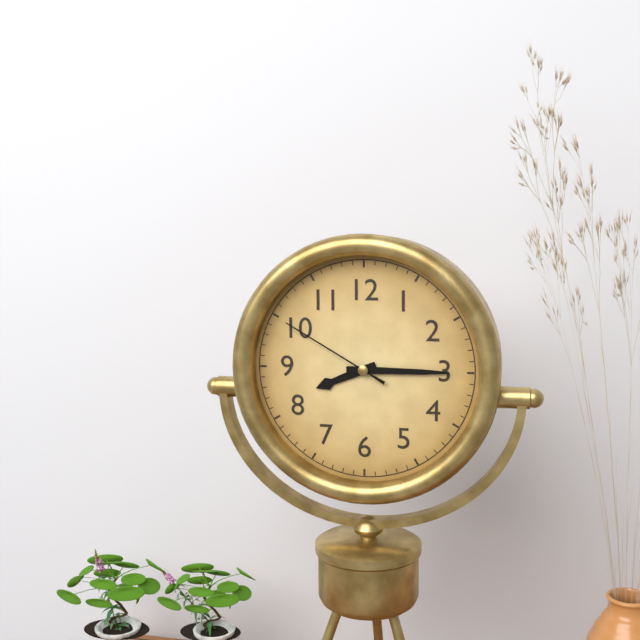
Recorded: {"hour": 8, "minute": 15, "second": 50}
